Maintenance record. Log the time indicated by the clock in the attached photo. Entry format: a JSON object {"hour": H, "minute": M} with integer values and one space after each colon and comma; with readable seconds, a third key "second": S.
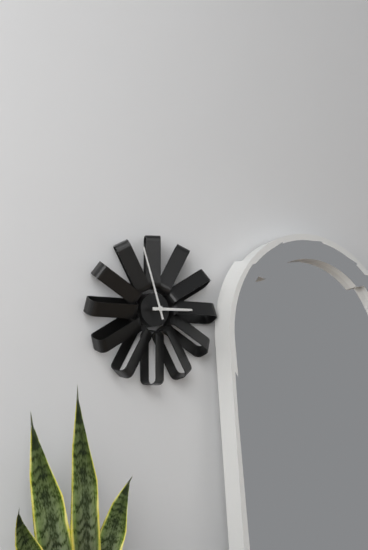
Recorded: {"hour": 2, "minute": 57}
